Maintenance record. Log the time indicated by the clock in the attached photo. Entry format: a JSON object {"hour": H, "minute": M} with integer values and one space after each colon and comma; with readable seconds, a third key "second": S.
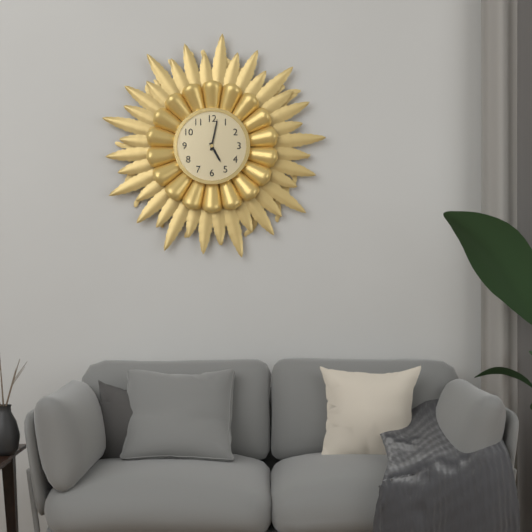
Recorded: {"hour": 5, "minute": 2}
